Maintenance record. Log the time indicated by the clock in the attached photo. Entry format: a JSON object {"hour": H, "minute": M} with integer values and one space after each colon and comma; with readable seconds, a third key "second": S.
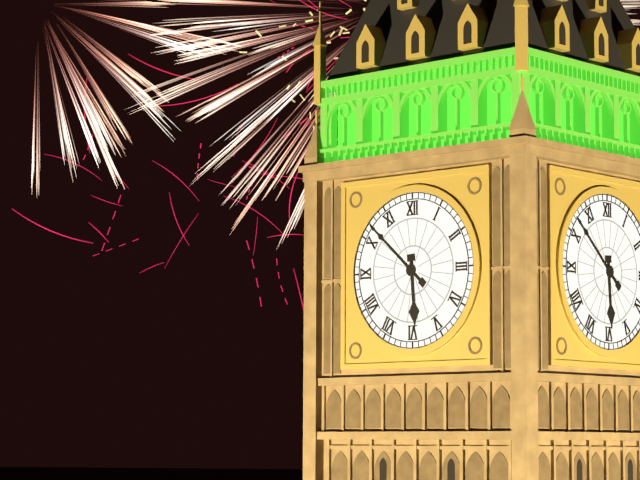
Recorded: {"hour": 5, "minute": 52}
